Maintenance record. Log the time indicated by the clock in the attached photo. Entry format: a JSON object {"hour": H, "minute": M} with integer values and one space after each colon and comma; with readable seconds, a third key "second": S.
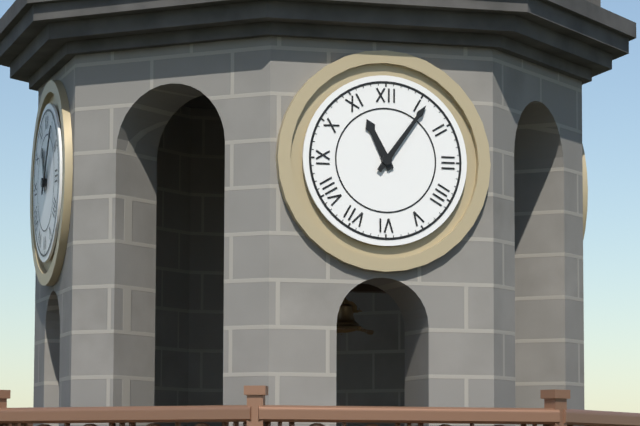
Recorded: {"hour": 11, "minute": 6}
